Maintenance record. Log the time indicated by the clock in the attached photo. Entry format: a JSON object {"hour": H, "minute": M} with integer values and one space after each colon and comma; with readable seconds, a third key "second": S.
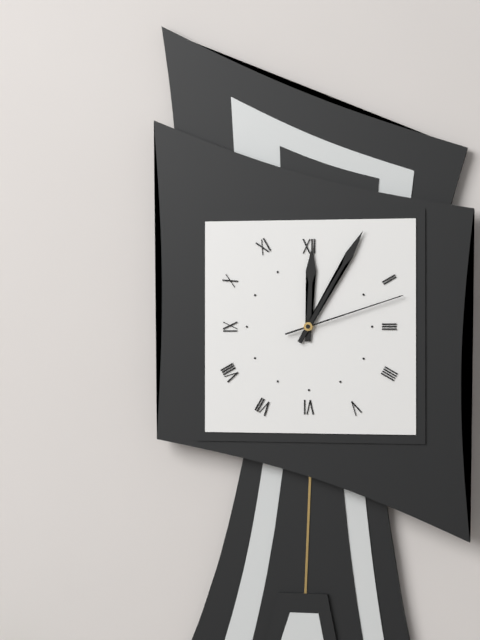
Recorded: {"hour": 12, "minute": 5, "second": 12}
